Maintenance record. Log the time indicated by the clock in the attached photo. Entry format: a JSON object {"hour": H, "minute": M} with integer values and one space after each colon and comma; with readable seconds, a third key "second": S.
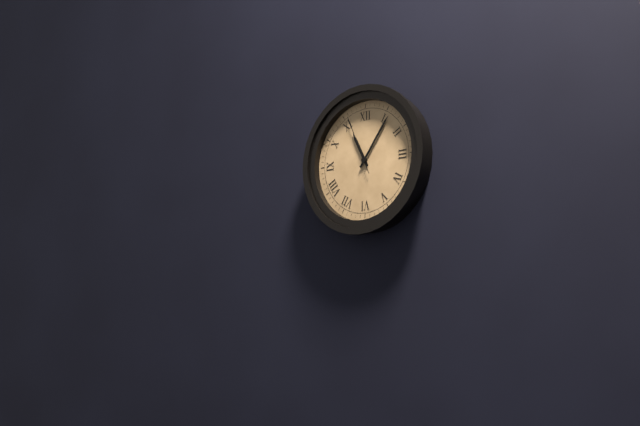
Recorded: {"hour": 11, "minute": 6, "second": 56}
